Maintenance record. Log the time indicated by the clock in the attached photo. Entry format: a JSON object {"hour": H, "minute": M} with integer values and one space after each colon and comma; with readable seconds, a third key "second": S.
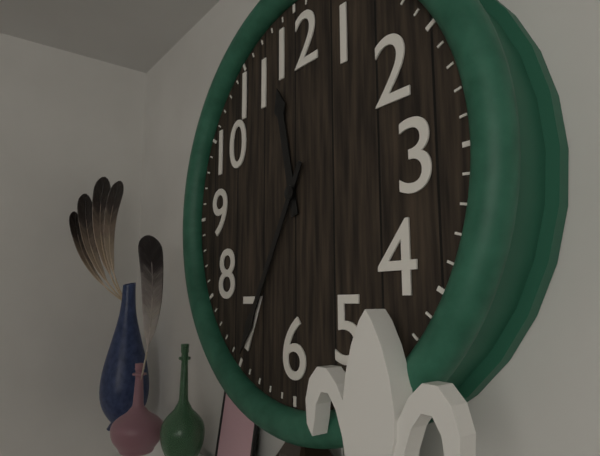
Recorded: {"hour": 11, "minute": 35}
